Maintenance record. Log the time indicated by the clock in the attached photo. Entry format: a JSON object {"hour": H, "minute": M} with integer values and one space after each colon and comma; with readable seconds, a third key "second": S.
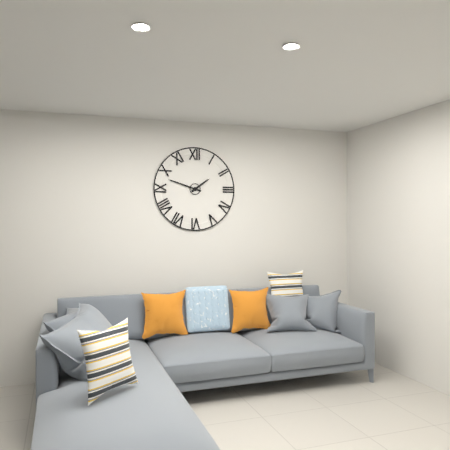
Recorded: {"hour": 1, "minute": 48}
